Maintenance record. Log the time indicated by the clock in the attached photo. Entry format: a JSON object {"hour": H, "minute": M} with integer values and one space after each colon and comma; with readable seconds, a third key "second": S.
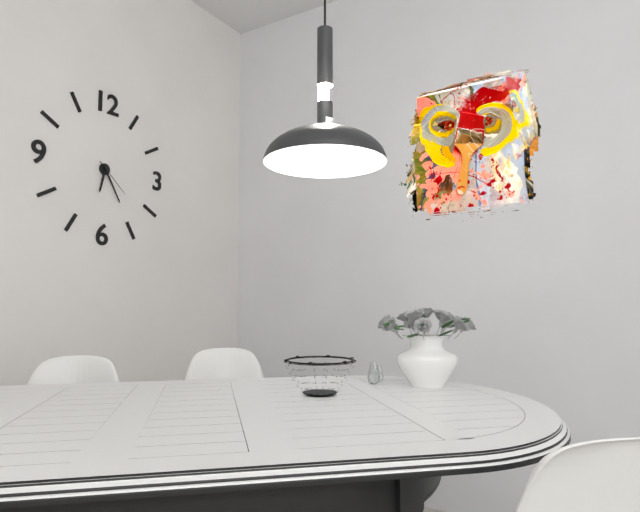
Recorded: {"hour": 6, "minute": 25}
